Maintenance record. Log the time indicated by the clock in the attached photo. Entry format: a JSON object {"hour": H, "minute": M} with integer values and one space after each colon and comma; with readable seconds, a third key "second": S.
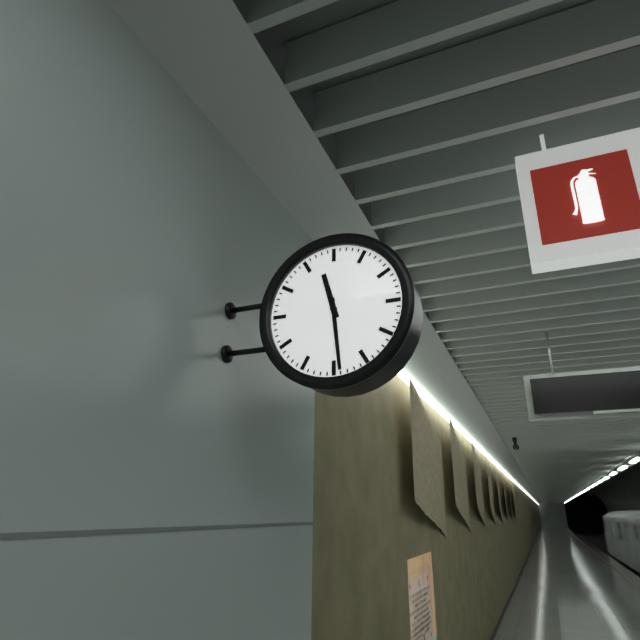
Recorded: {"hour": 11, "minute": 29}
